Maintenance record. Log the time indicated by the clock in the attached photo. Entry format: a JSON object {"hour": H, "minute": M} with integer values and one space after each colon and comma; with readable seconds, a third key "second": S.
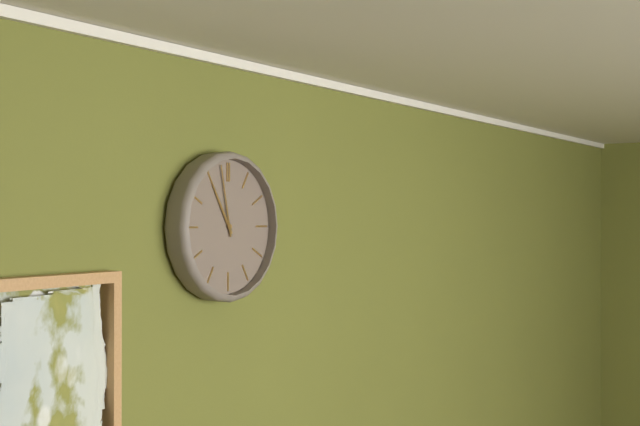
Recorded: {"hour": 10, "minute": 58}
